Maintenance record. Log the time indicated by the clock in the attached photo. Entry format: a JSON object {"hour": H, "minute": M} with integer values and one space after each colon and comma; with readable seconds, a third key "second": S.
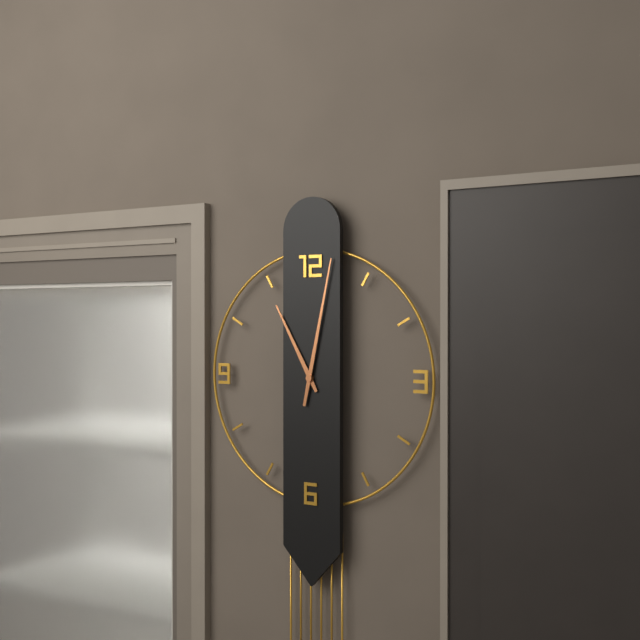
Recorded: {"hour": 11, "minute": 2}
